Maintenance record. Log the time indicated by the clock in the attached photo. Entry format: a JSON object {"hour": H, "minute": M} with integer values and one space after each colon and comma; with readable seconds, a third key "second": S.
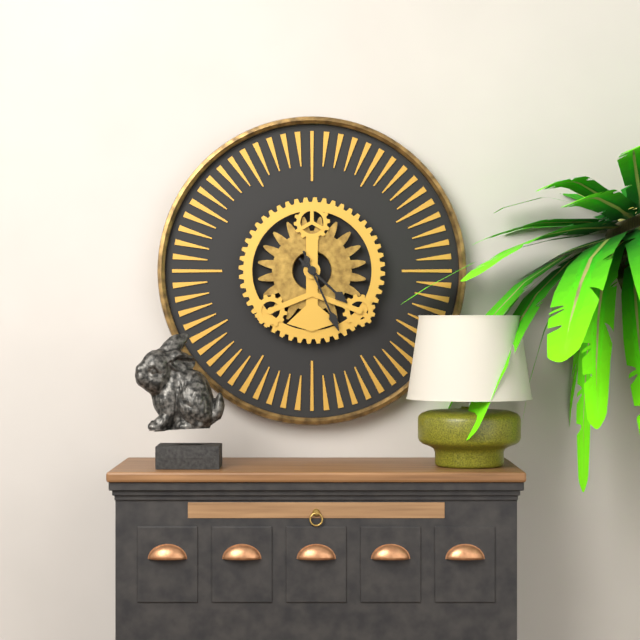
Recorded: {"hour": 4, "minute": 26}
